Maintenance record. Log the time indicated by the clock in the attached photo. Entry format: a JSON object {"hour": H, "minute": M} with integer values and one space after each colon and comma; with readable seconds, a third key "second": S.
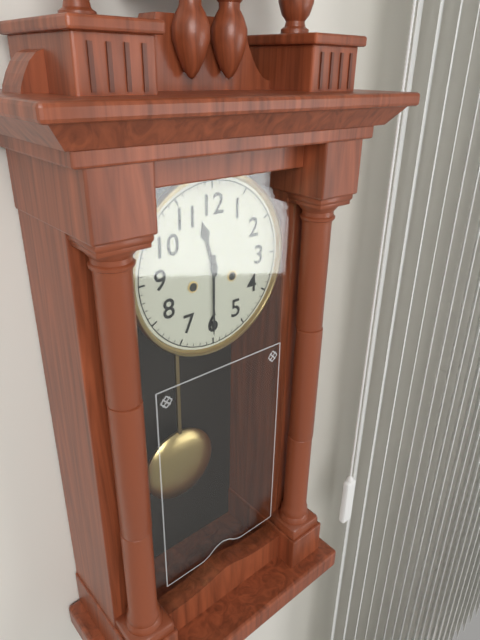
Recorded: {"hour": 11, "minute": 30}
